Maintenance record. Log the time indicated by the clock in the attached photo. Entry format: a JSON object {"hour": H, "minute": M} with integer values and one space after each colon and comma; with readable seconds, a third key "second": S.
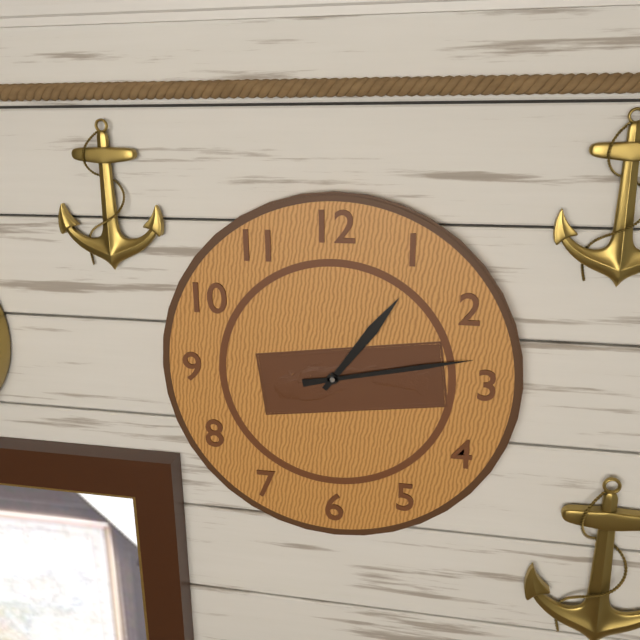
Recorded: {"hour": 1, "minute": 13}
